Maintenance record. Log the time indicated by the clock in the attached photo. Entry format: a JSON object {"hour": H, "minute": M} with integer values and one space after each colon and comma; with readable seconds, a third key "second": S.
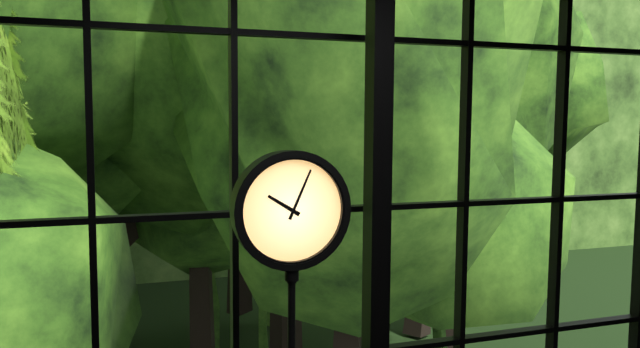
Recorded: {"hour": 10, "minute": 4}
